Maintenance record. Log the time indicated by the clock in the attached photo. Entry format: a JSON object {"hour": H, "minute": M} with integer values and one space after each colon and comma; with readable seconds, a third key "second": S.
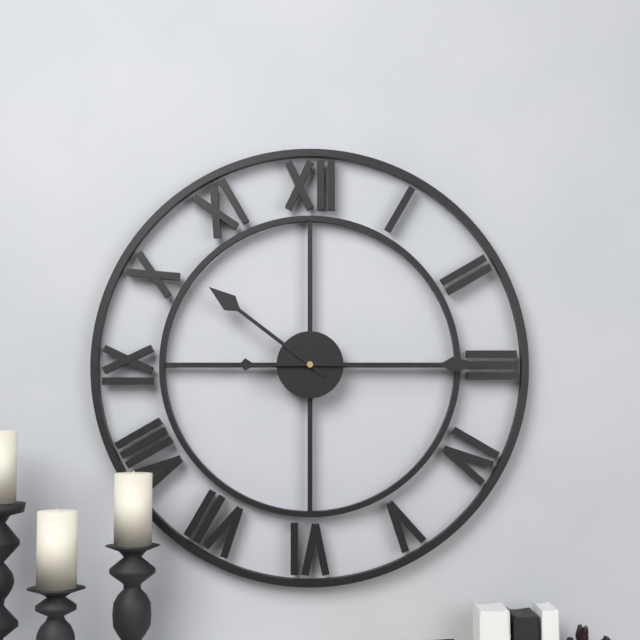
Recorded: {"hour": 10, "minute": 15}
